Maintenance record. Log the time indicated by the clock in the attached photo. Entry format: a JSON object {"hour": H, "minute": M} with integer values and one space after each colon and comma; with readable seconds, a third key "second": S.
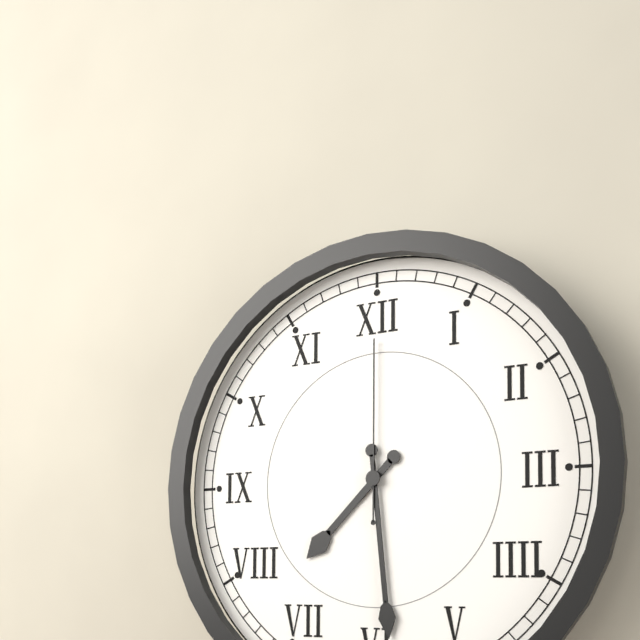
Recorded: {"hour": 7, "minute": 29, "second": 0}
